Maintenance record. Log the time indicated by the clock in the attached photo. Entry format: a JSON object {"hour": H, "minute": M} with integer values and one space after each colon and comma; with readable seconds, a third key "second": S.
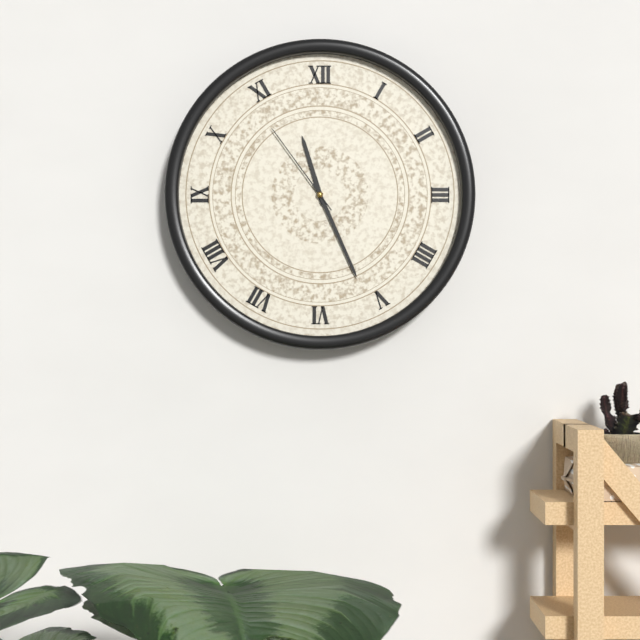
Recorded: {"hour": 11, "minute": 26, "second": 54}
